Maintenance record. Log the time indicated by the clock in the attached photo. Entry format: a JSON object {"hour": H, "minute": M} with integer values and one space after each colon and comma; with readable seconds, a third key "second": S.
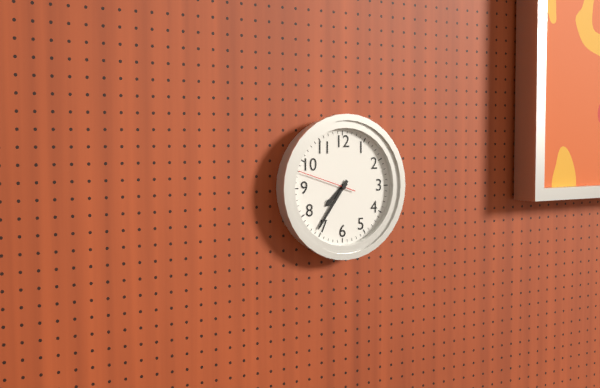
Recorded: {"hour": 7, "minute": 36, "second": 48}
